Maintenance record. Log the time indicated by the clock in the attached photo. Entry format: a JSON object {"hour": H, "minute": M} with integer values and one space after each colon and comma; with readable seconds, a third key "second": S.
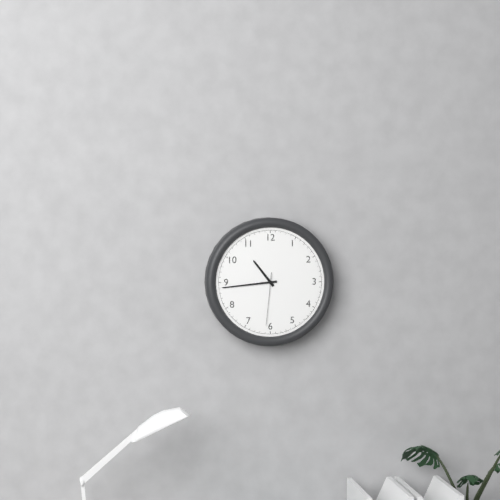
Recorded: {"hour": 10, "minute": 44, "second": 31}
